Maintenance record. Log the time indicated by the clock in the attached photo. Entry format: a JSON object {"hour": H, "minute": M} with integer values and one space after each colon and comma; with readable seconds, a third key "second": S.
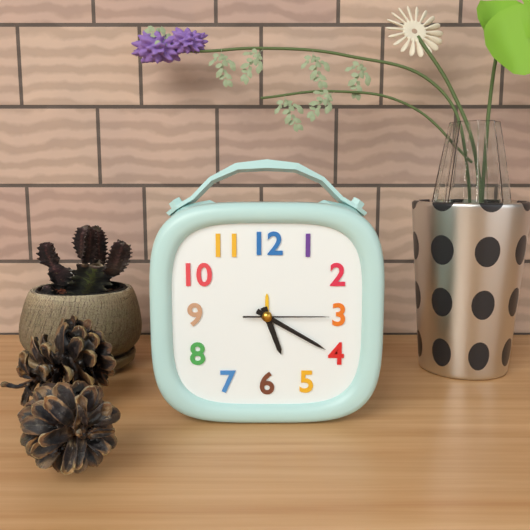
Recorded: {"hour": 5, "minute": 20, "second": 15}
